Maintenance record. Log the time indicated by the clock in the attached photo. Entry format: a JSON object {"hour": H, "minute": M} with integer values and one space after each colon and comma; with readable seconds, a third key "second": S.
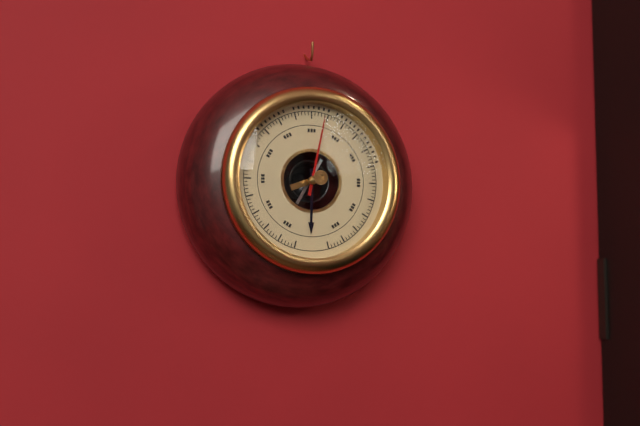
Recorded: {"hour": 6, "minute": 2}
